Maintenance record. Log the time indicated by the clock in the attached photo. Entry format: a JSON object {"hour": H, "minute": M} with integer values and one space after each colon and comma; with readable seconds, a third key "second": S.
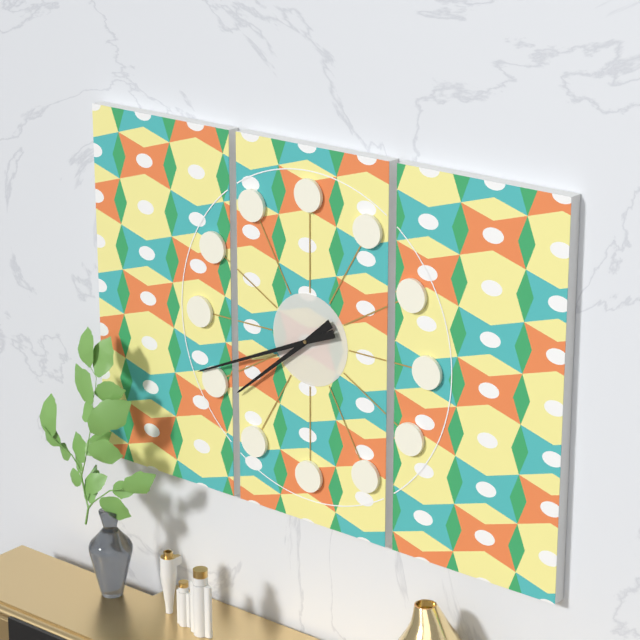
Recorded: {"hour": 7, "minute": 41}
